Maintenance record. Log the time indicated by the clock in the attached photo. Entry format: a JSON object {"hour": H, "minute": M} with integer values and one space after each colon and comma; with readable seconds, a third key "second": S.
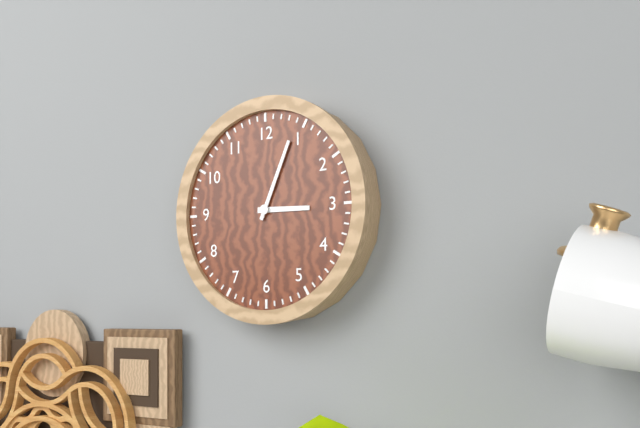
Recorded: {"hour": 3, "minute": 4}
